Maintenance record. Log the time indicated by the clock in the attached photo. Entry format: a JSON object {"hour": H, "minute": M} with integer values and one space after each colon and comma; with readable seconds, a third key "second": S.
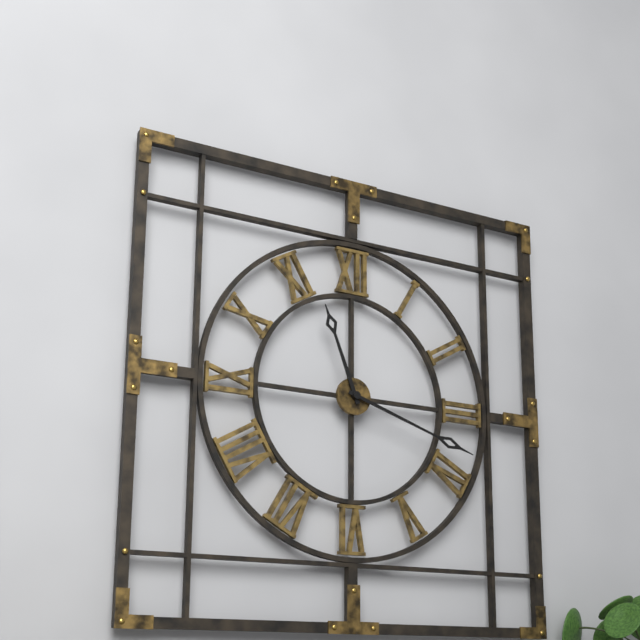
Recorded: {"hour": 11, "minute": 18}
